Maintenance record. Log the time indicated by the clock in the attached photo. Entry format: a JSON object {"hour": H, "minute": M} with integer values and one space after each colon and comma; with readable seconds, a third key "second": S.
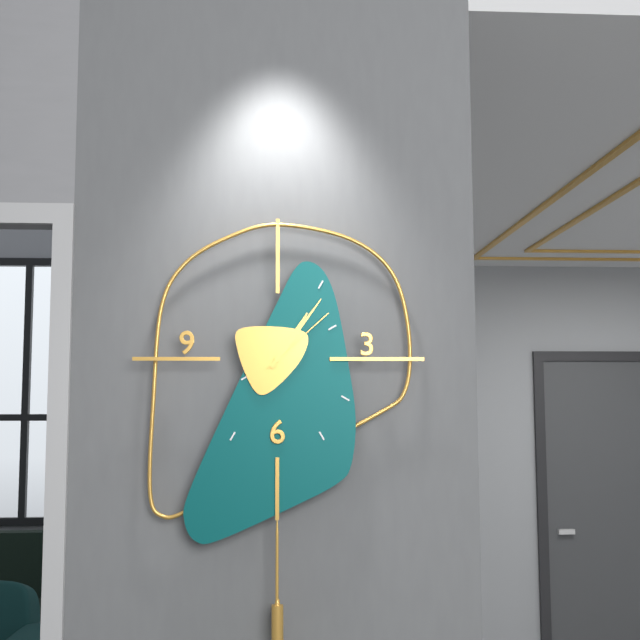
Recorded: {"hour": 1, "minute": 6, "second": 8}
